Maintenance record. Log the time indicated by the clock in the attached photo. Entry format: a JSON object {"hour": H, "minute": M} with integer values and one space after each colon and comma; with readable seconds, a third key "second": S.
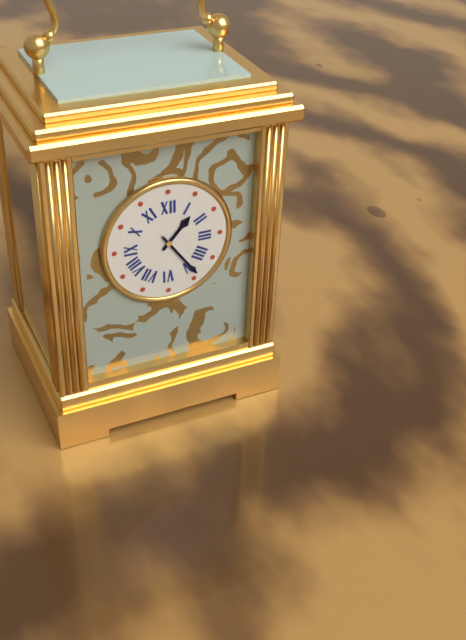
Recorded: {"hour": 1, "minute": 24}
